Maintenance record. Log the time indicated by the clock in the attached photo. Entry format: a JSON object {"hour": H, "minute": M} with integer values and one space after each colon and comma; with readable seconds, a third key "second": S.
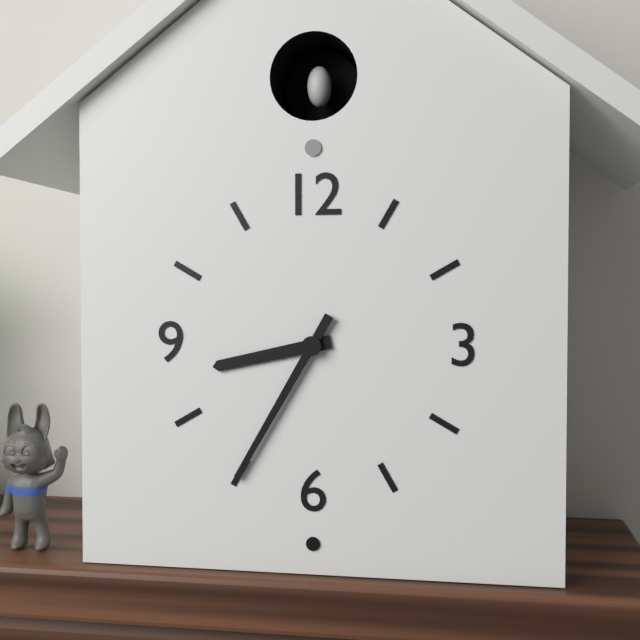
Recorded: {"hour": 8, "minute": 35}
